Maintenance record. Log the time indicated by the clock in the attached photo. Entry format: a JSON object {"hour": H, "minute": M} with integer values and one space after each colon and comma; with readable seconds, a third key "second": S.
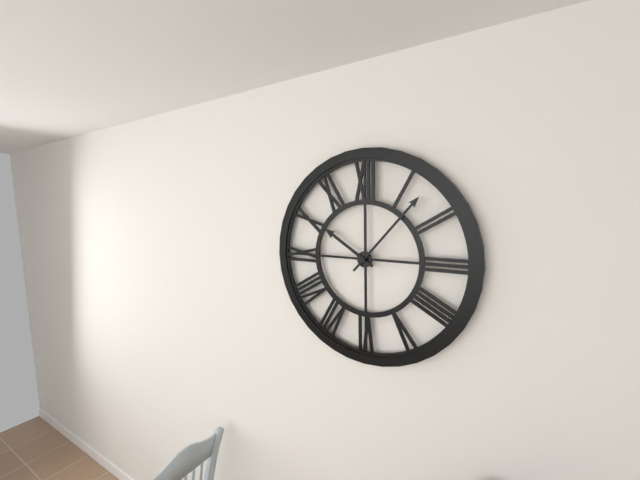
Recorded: {"hour": 10, "minute": 7}
